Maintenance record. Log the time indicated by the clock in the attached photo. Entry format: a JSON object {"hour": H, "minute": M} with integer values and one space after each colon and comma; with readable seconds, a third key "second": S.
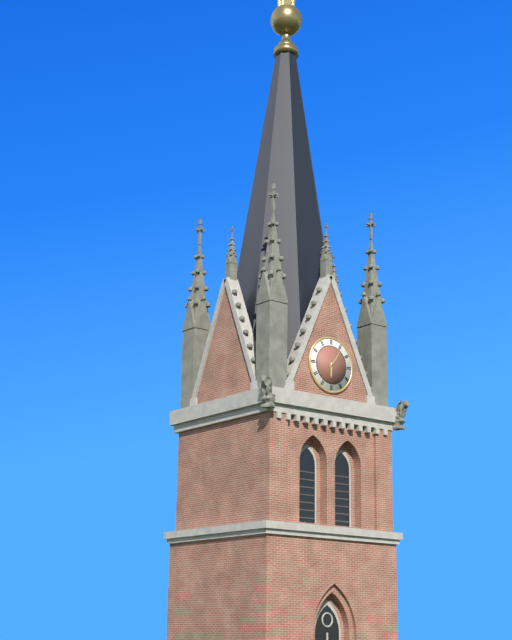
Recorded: {"hour": 6, "minute": 6}
